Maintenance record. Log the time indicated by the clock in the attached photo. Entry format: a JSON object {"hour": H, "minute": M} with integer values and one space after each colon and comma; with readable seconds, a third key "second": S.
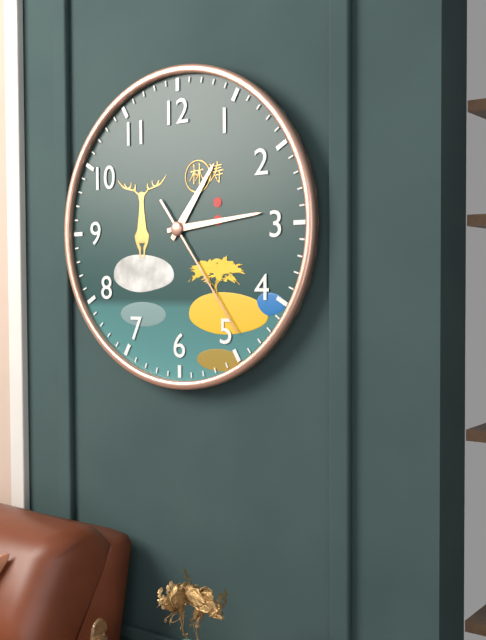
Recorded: {"hour": 1, "minute": 14, "second": 24}
